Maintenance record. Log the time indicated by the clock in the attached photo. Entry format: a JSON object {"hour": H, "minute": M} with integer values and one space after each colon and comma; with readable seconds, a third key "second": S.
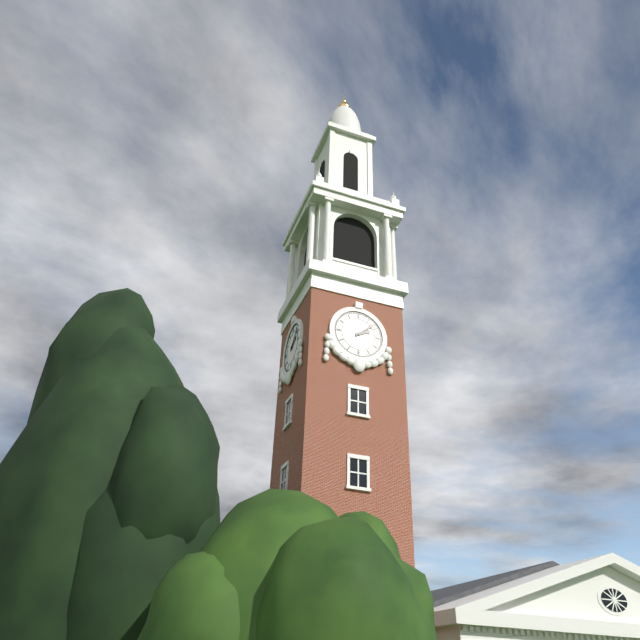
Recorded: {"hour": 2, "minute": 8}
